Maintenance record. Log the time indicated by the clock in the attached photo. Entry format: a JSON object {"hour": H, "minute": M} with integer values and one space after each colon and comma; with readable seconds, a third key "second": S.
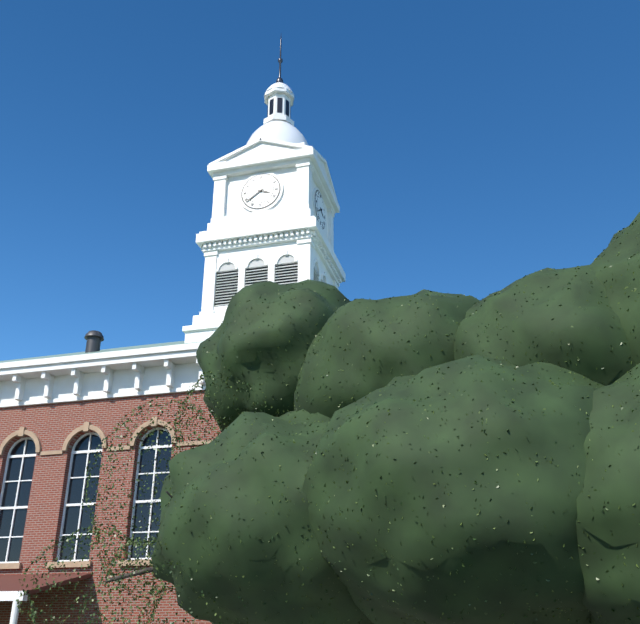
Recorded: {"hour": 3, "minute": 39}
